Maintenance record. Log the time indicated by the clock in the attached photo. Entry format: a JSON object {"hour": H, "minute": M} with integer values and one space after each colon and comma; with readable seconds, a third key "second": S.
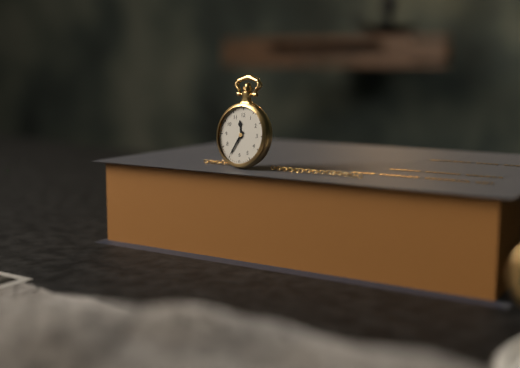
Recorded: {"hour": 11, "minute": 35}
